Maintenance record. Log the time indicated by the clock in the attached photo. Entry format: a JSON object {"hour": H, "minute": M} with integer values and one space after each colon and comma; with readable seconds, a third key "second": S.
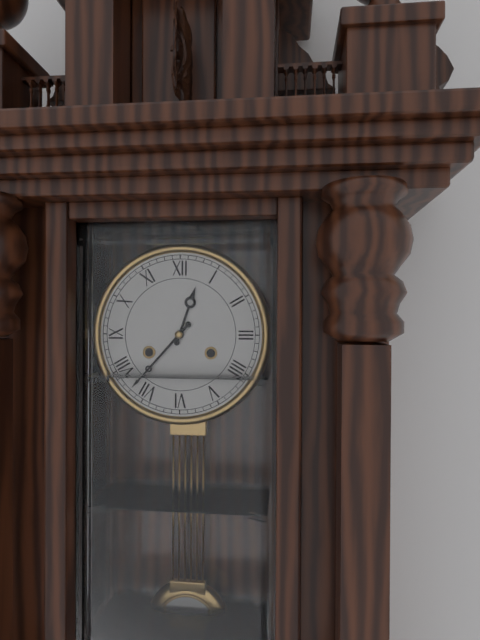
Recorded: {"hour": 12, "minute": 37}
